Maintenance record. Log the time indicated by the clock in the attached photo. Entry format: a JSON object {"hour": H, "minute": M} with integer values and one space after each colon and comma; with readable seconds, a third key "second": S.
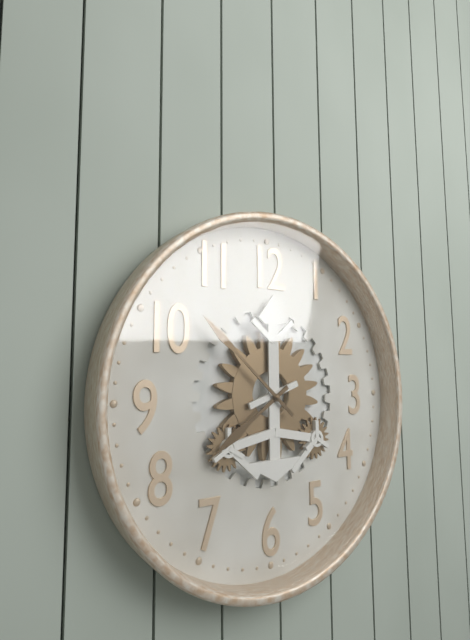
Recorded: {"hour": 7, "minute": 52}
